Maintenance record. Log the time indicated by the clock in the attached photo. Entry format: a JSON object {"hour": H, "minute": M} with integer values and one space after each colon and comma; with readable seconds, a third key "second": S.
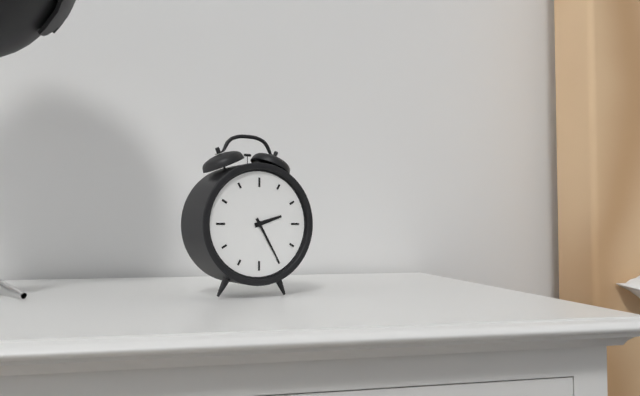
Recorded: {"hour": 2, "minute": 25}
